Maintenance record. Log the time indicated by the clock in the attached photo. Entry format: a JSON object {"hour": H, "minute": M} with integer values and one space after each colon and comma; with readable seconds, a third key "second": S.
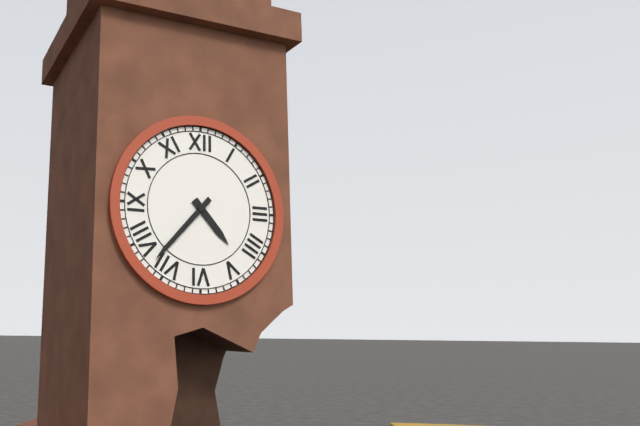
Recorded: {"hour": 4, "minute": 37}
